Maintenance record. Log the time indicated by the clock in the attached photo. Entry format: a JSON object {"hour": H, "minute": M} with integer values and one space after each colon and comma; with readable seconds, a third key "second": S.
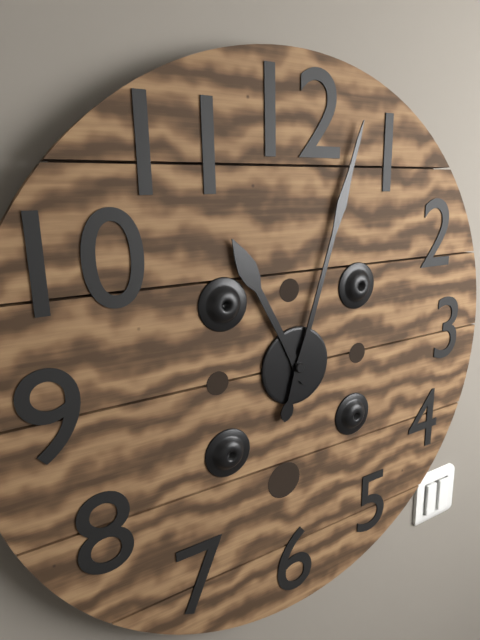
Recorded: {"hour": 11, "minute": 3}
